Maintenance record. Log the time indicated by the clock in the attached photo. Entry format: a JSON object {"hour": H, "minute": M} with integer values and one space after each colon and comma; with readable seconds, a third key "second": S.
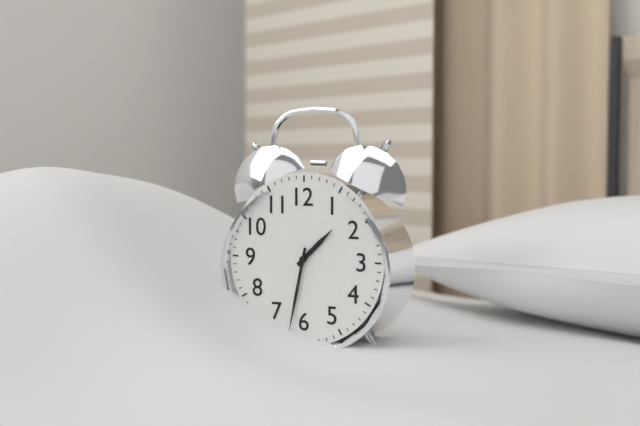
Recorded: {"hour": 1, "minute": 32}
